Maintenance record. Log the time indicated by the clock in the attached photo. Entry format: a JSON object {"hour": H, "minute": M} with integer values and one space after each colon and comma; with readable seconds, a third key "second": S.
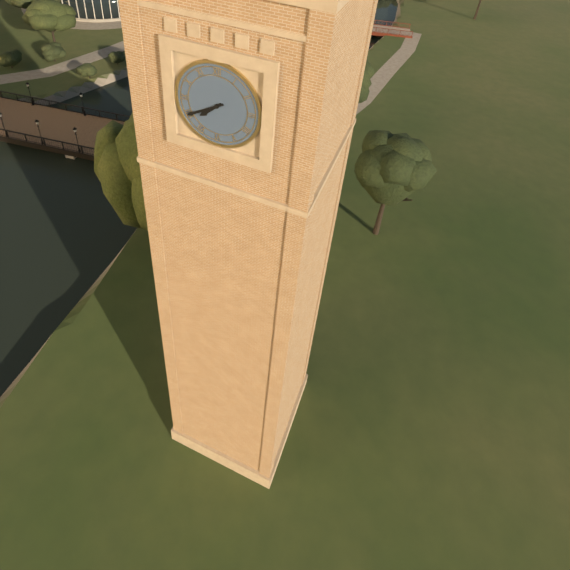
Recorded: {"hour": 7, "minute": 40}
